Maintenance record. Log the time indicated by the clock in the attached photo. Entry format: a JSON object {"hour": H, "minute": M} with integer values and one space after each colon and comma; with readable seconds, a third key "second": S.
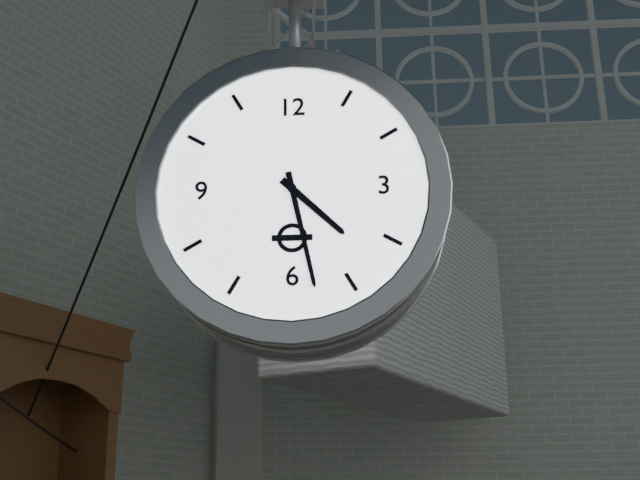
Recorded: {"hour": 4, "minute": 28}
